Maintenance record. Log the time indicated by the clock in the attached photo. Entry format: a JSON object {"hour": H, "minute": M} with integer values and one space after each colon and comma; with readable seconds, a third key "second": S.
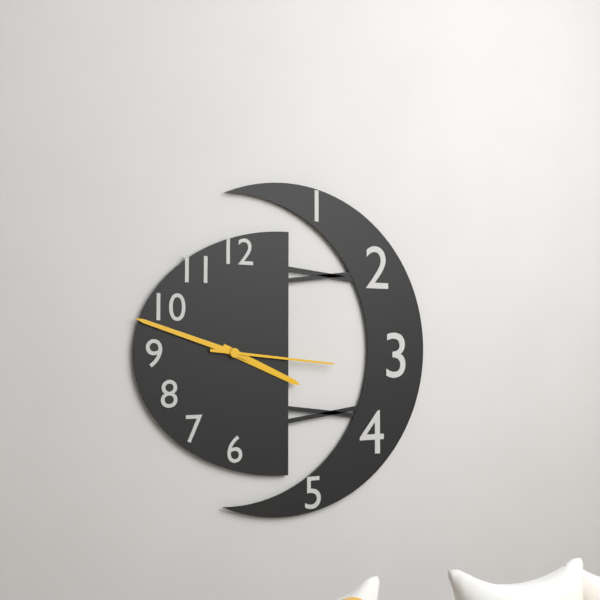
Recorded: {"hour": 3, "minute": 48, "second": 16}
